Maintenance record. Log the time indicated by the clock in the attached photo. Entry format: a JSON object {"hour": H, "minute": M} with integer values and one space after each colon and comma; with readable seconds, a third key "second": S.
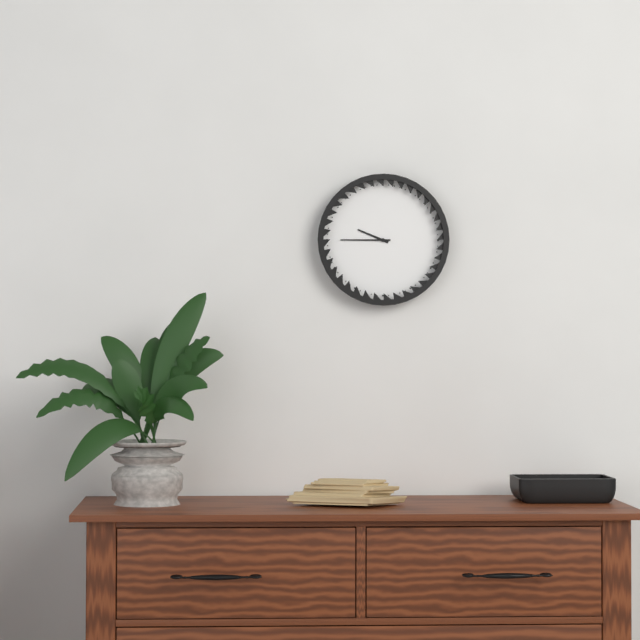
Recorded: {"hour": 9, "minute": 45}
